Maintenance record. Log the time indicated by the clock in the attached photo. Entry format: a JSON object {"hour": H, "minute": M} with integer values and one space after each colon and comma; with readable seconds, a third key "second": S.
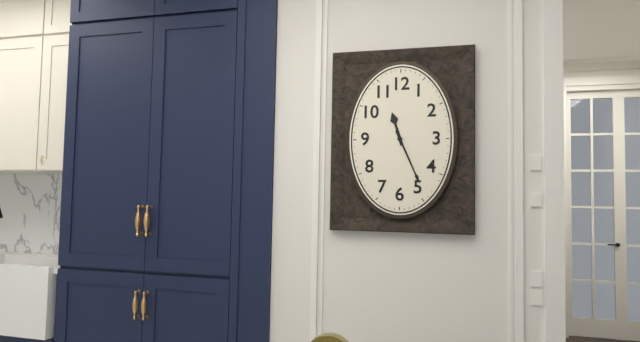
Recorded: {"hour": 11, "minute": 26}
